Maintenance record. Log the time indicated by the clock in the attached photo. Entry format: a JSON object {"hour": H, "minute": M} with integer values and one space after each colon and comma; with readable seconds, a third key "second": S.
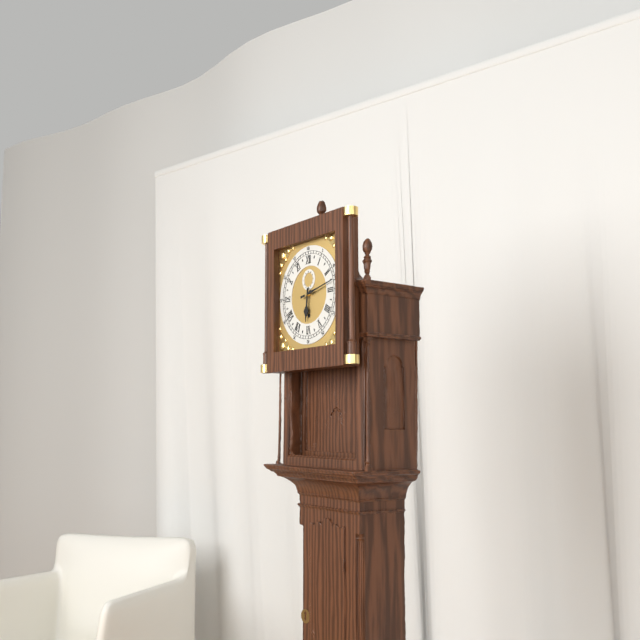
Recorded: {"hour": 6, "minute": 13}
